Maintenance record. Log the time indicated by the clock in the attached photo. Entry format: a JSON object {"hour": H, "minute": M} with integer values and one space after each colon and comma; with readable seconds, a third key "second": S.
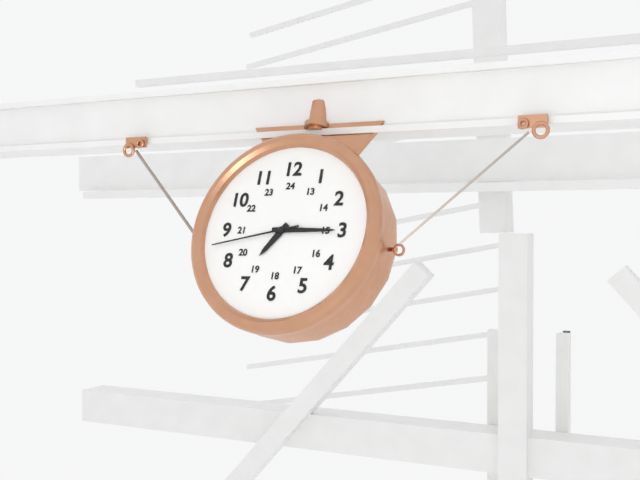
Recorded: {"hour": 7, "minute": 15, "second": 43}
